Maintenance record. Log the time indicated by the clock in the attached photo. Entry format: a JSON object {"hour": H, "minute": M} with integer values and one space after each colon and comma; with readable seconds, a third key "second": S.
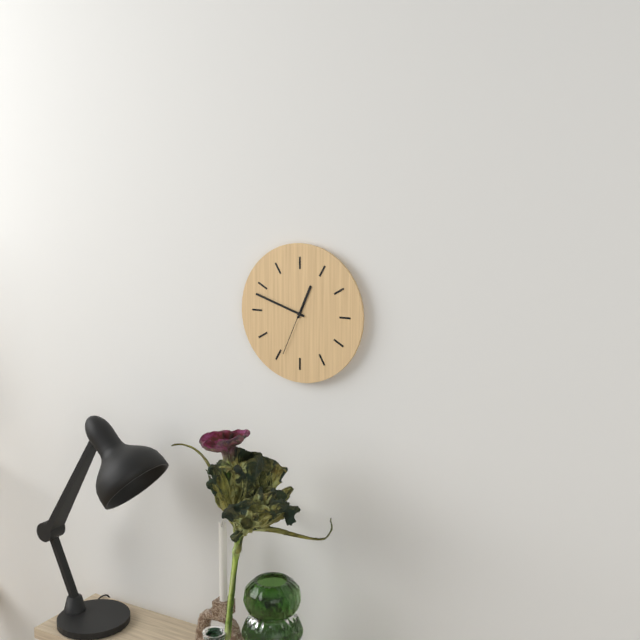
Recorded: {"hour": 12, "minute": 48, "second": 34}
